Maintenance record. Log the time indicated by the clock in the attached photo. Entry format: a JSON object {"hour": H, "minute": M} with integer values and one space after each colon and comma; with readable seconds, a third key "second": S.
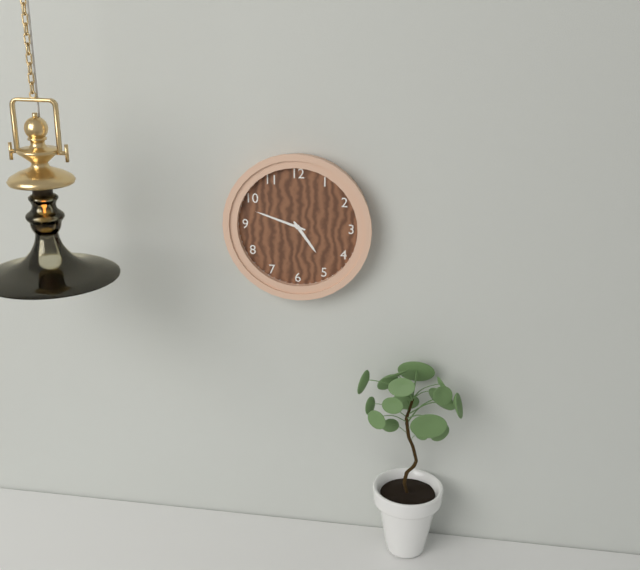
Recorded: {"hour": 4, "minute": 48}
